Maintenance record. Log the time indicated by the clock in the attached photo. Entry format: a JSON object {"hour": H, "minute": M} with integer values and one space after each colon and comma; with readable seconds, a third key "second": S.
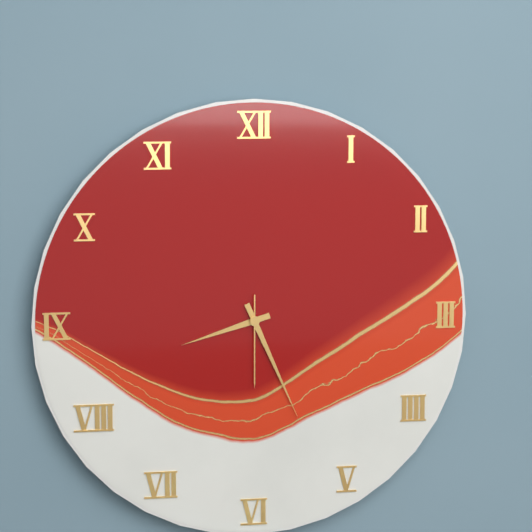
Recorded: {"hour": 8, "minute": 26, "second": 30}
